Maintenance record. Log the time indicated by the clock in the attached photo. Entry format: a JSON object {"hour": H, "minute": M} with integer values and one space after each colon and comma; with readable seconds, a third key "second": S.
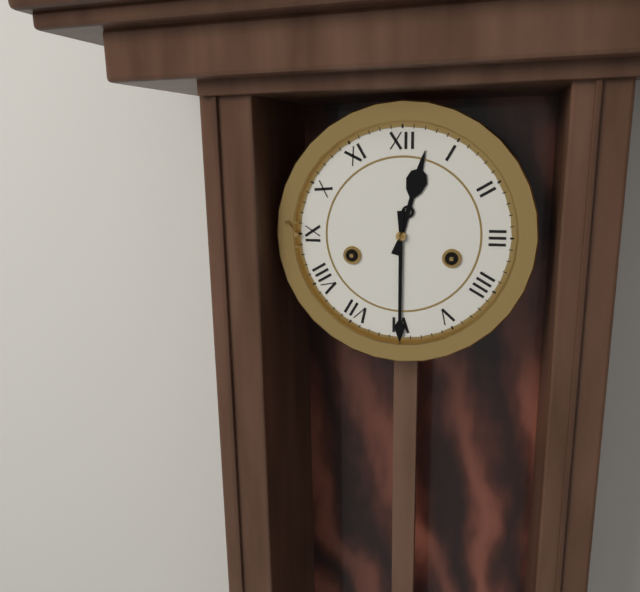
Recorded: {"hour": 12, "minute": 30}
